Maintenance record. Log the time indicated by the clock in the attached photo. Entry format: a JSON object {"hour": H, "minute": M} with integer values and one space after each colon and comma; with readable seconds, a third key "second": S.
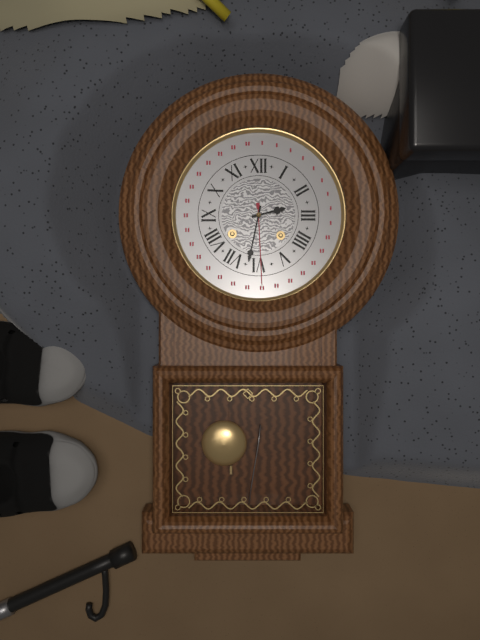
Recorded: {"hour": 2, "minute": 32}
